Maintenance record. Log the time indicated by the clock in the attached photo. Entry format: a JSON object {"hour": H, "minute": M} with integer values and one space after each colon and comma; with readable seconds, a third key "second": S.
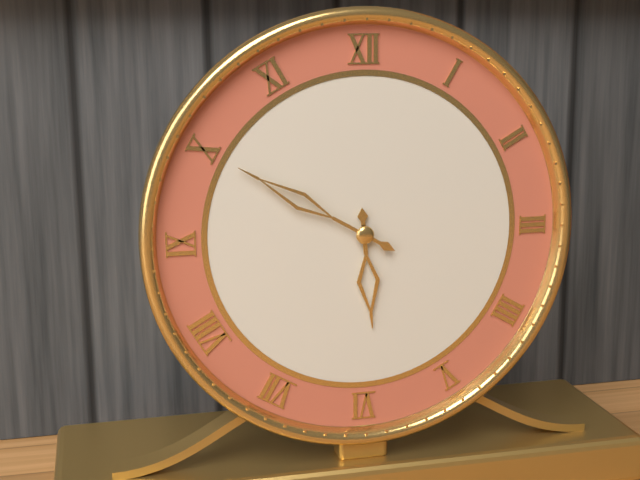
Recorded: {"hour": 5, "minute": 50}
